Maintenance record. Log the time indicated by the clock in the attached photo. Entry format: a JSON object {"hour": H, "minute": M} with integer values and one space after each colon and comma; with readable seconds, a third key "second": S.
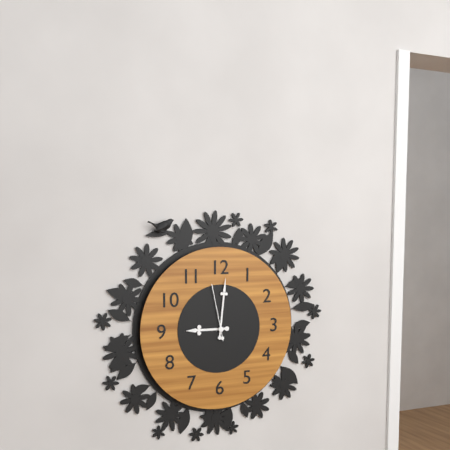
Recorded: {"hour": 9, "minute": 1, "second": 58}
